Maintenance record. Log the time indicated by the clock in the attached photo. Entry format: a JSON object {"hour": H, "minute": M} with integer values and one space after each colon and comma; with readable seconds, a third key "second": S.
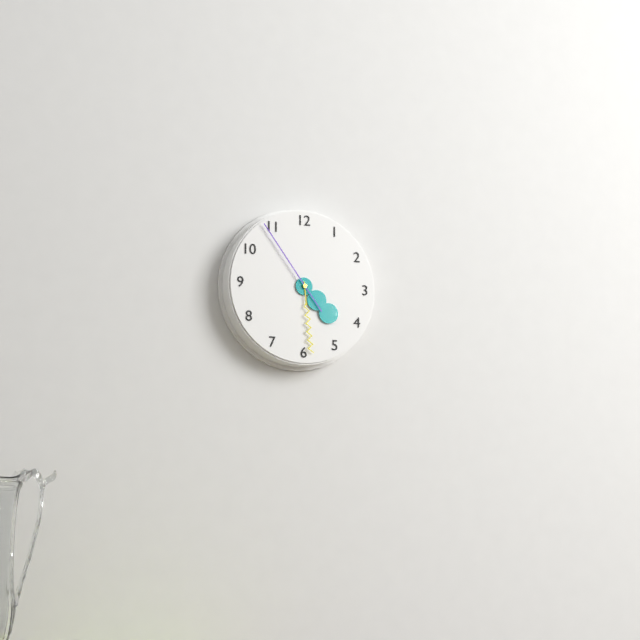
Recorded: {"hour": 4, "minute": 29, "second": 54}
